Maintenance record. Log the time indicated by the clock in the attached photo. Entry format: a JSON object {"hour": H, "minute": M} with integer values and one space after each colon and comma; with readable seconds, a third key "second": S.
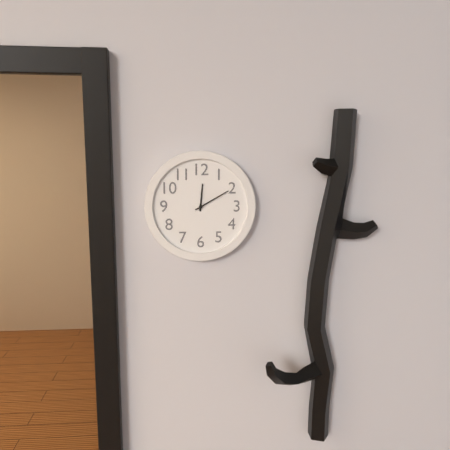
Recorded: {"hour": 12, "minute": 10}
